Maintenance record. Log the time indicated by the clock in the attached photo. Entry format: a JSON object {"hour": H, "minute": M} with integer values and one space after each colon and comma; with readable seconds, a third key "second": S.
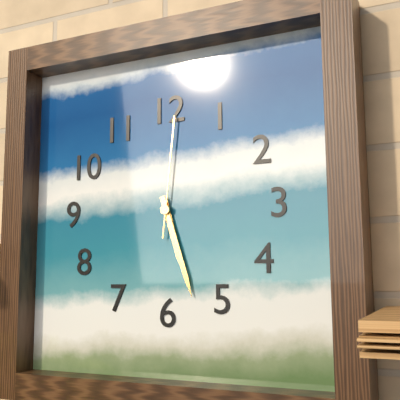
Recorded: {"hour": 5, "minute": 27, "second": 1}
